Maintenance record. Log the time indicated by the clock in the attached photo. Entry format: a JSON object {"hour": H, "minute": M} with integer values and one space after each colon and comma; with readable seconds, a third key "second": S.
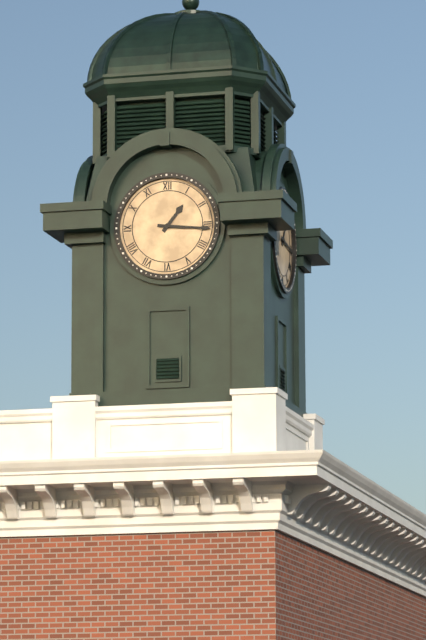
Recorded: {"hour": 1, "minute": 16}
